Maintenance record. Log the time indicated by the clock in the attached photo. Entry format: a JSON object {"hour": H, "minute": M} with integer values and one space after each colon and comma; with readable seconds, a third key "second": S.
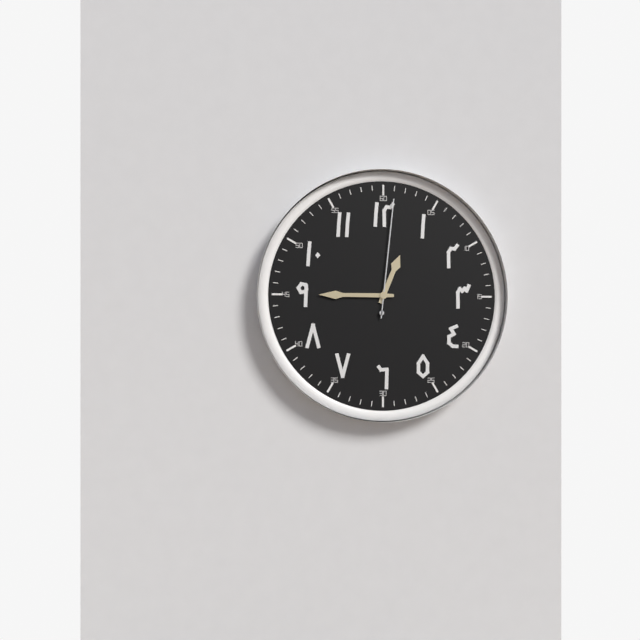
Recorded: {"hour": 12, "minute": 45, "second": 1}
